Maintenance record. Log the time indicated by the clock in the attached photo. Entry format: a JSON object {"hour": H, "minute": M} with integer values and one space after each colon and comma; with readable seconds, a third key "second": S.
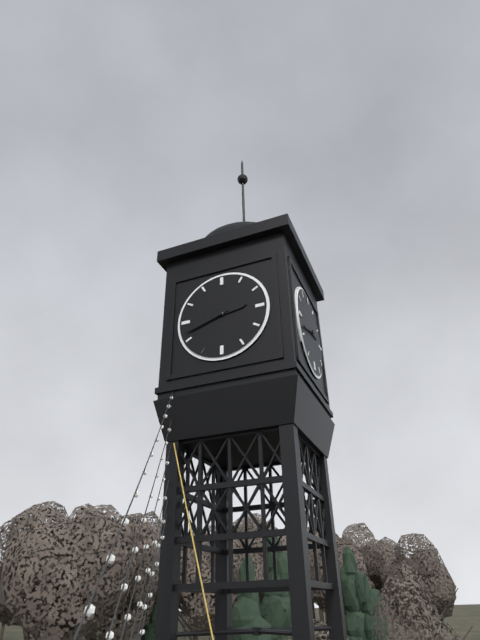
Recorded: {"hour": 2, "minute": 42}
